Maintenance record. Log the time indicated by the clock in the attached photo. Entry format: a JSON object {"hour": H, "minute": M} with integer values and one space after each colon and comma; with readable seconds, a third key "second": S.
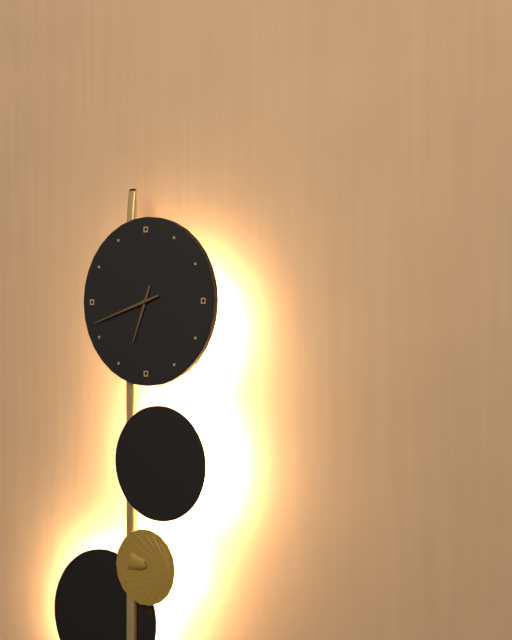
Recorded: {"hour": 6, "minute": 42}
